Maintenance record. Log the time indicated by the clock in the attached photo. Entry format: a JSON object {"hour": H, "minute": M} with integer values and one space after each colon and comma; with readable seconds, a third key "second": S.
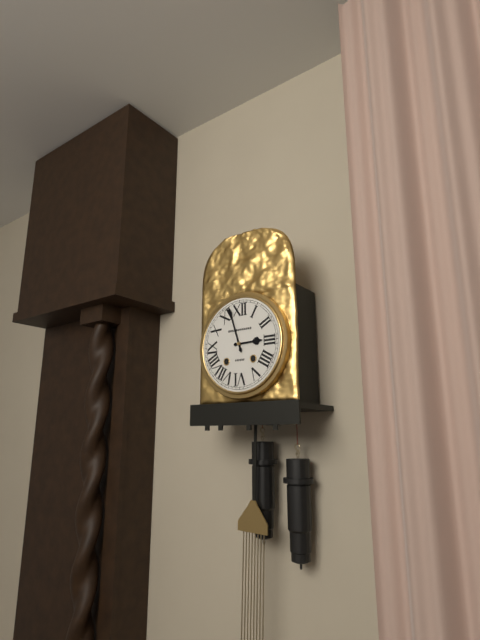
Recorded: {"hour": 2, "minute": 57}
